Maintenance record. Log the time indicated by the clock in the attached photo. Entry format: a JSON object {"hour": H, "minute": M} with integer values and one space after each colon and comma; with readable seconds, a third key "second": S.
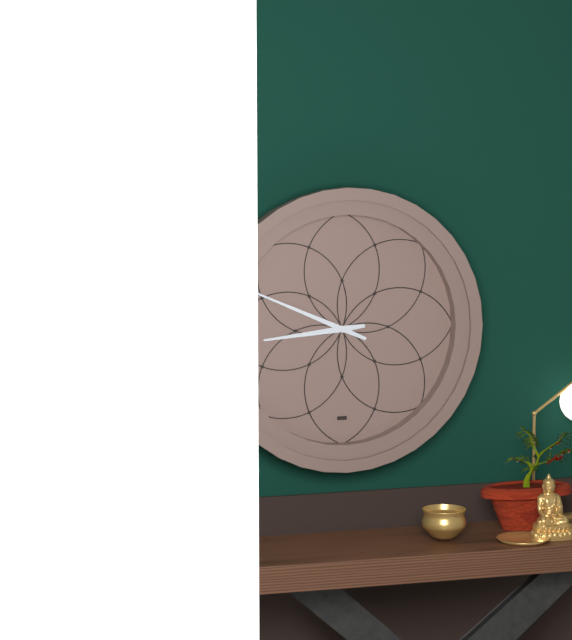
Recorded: {"hour": 8, "minute": 49}
